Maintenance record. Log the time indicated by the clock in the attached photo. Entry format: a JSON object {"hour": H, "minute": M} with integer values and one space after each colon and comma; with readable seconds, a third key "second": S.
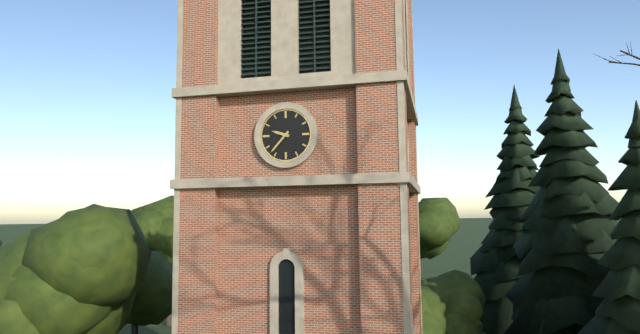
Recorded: {"hour": 9, "minute": 37}
